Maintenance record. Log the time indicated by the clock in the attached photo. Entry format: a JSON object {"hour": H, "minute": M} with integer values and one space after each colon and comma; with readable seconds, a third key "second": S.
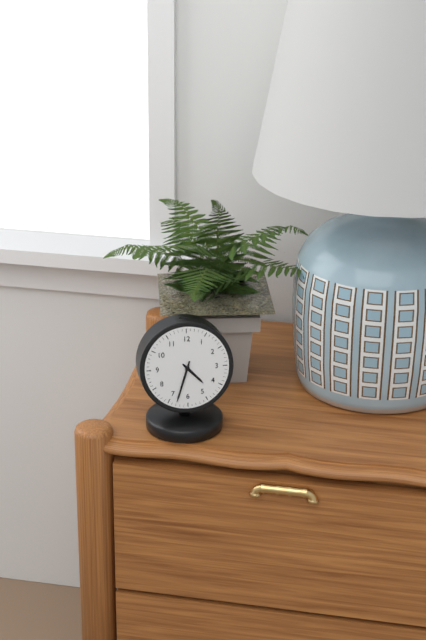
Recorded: {"hour": 4, "minute": 33}
